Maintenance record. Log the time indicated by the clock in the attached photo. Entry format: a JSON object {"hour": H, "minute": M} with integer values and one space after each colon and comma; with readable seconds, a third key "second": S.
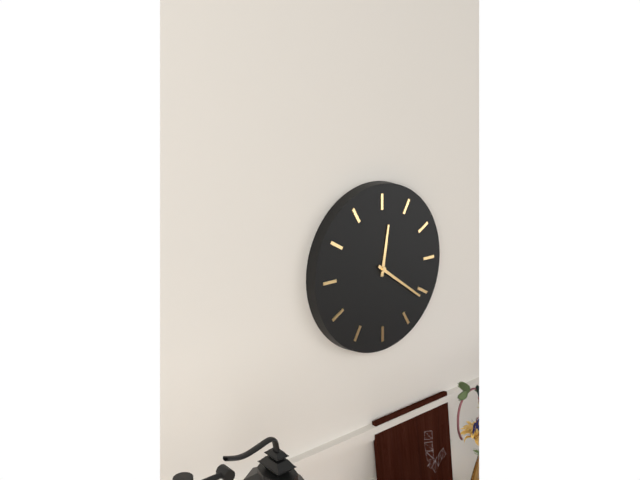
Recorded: {"hour": 12, "minute": 21}
